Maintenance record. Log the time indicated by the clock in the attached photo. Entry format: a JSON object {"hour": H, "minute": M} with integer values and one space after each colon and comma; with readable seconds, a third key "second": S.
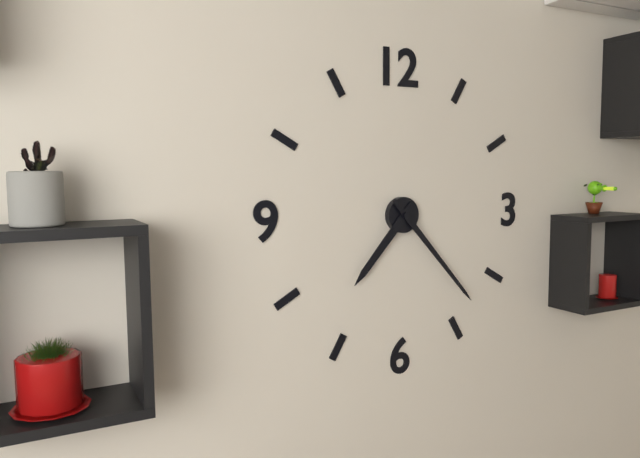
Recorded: {"hour": 7, "minute": 23}
